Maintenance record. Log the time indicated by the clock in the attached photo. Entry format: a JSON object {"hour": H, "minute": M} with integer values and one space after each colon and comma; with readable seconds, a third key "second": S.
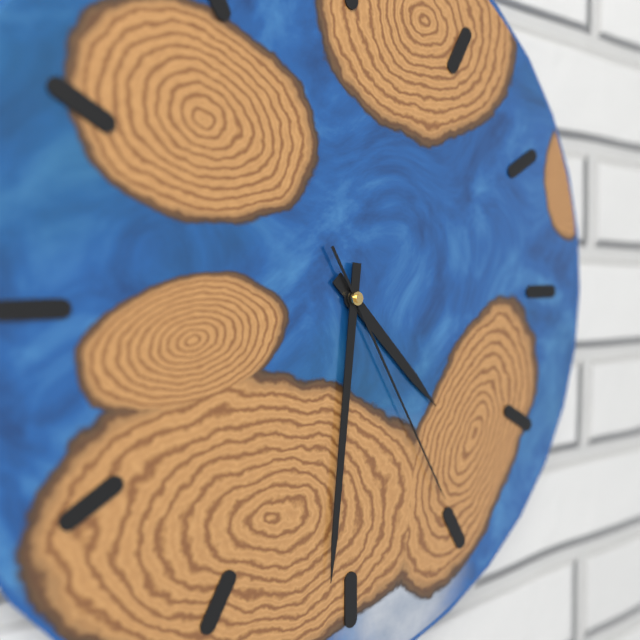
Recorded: {"hour": 4, "minute": 31, "second": 25}
